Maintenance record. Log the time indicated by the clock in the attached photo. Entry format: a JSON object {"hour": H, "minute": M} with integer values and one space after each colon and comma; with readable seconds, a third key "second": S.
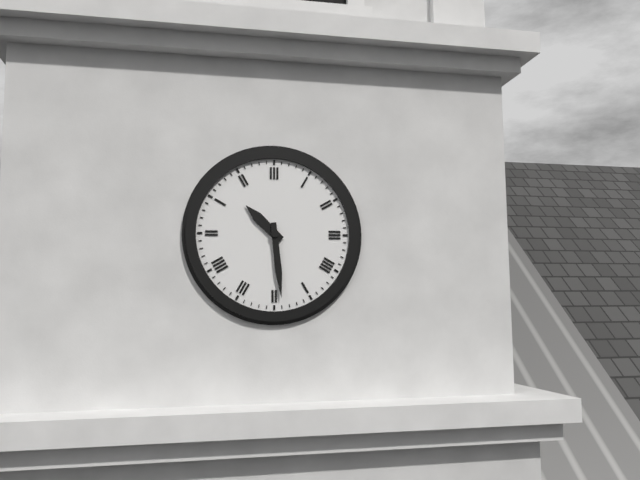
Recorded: {"hour": 10, "minute": 29}
